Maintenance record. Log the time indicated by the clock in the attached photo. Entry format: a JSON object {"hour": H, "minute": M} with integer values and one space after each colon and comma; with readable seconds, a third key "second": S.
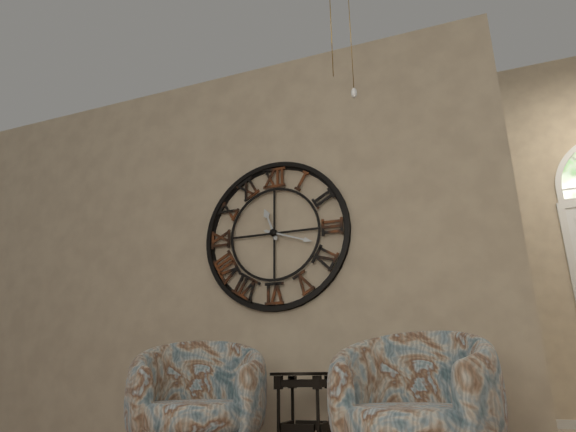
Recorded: {"hour": 11, "minute": 18}
